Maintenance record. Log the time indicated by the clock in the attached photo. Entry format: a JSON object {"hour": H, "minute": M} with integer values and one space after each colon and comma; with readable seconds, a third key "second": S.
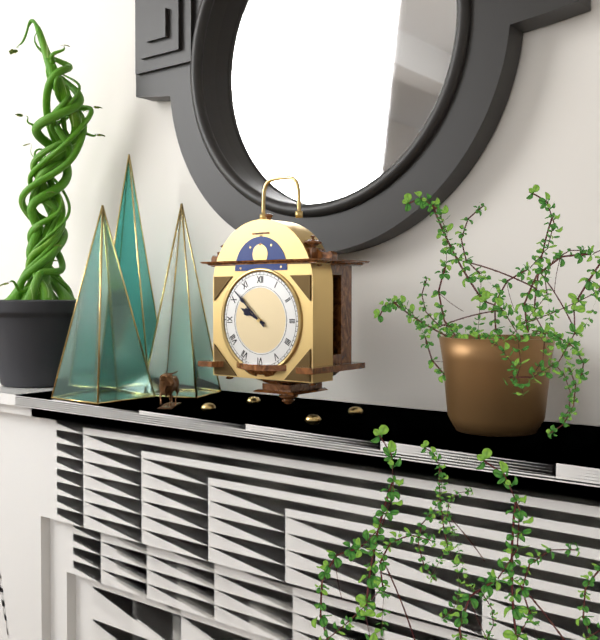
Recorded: {"hour": 9, "minute": 52}
